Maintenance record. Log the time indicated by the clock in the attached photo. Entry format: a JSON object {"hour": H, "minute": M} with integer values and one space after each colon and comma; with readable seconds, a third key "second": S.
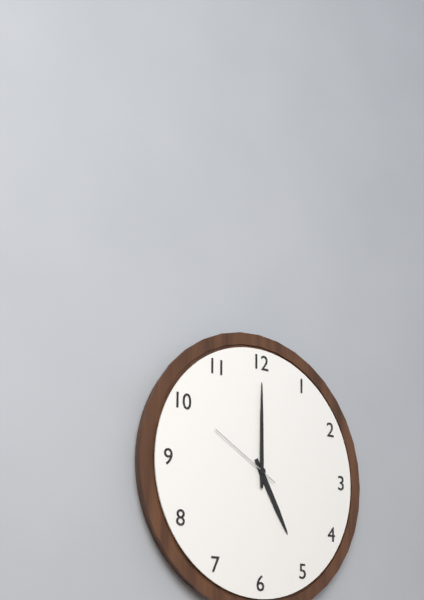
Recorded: {"hour": 5, "minute": 0, "second": 50}
